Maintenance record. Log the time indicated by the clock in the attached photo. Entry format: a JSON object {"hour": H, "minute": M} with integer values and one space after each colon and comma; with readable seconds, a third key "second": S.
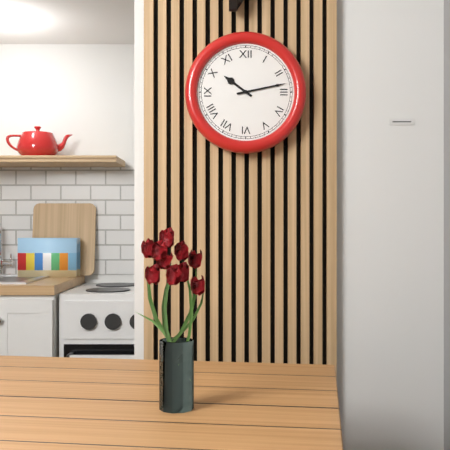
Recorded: {"hour": 10, "minute": 13}
